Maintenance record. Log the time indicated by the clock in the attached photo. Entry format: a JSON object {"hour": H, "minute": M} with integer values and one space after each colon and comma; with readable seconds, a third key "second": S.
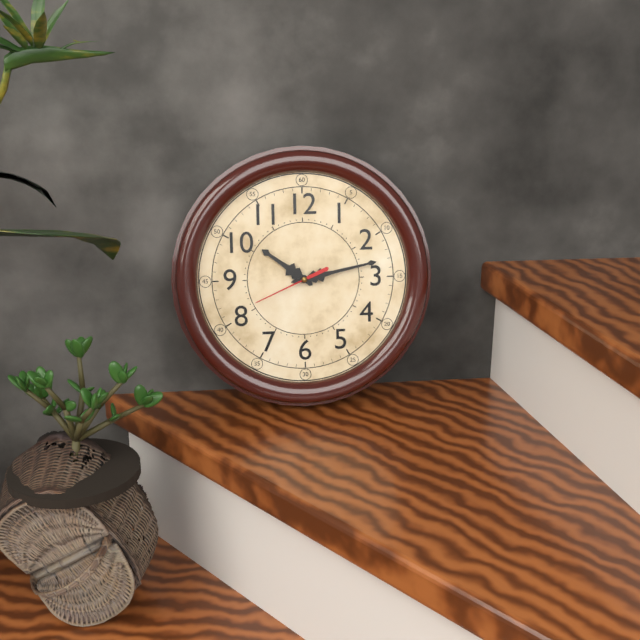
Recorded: {"hour": 10, "minute": 13, "second": 41}
